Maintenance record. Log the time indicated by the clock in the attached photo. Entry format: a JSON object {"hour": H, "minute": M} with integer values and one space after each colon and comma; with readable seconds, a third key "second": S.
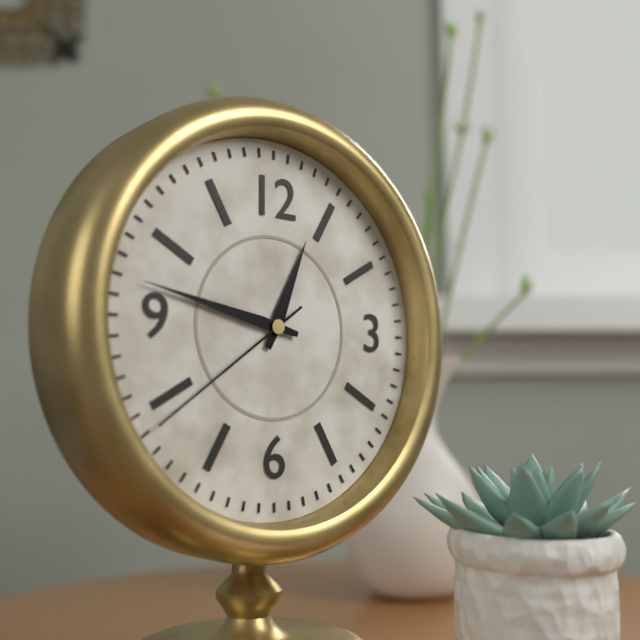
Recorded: {"hour": 12, "minute": 47, "second": 39}
